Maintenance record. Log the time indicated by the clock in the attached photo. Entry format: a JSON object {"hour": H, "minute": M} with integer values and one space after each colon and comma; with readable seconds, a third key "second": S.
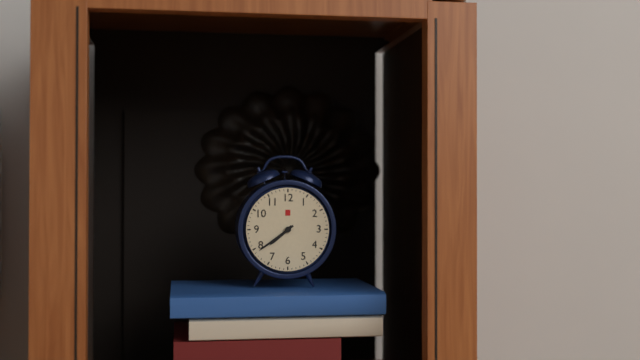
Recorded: {"hour": 7, "minute": 39}
